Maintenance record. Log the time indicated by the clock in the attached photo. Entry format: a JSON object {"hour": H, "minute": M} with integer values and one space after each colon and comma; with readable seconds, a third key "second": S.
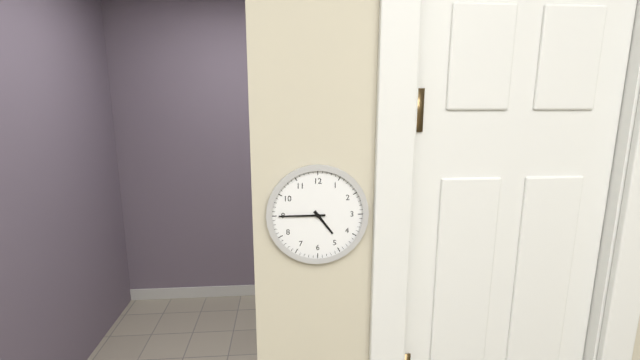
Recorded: {"hour": 4, "minute": 45}
